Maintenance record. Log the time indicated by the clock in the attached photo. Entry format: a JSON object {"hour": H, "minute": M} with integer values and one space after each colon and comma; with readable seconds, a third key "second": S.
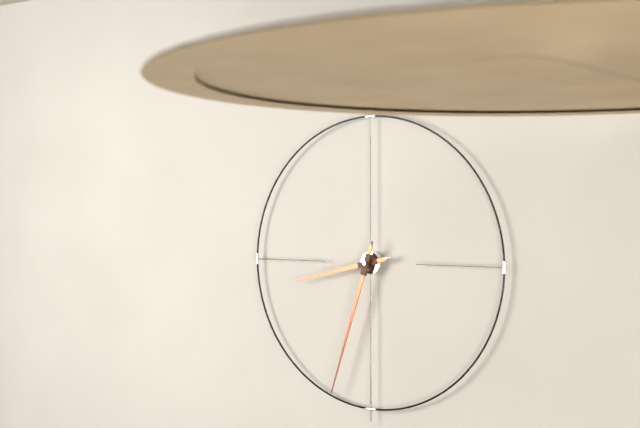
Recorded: {"hour": 8, "minute": 33}
